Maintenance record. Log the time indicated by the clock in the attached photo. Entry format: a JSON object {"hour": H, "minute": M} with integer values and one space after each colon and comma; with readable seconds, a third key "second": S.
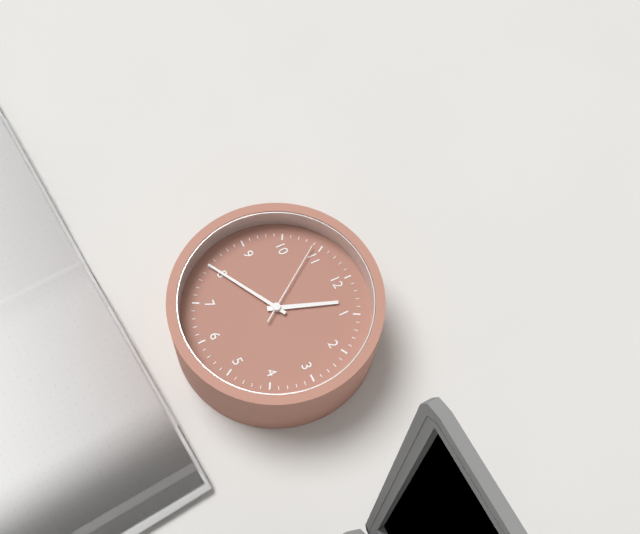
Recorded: {"hour": 12, "minute": 40, "second": 54}
